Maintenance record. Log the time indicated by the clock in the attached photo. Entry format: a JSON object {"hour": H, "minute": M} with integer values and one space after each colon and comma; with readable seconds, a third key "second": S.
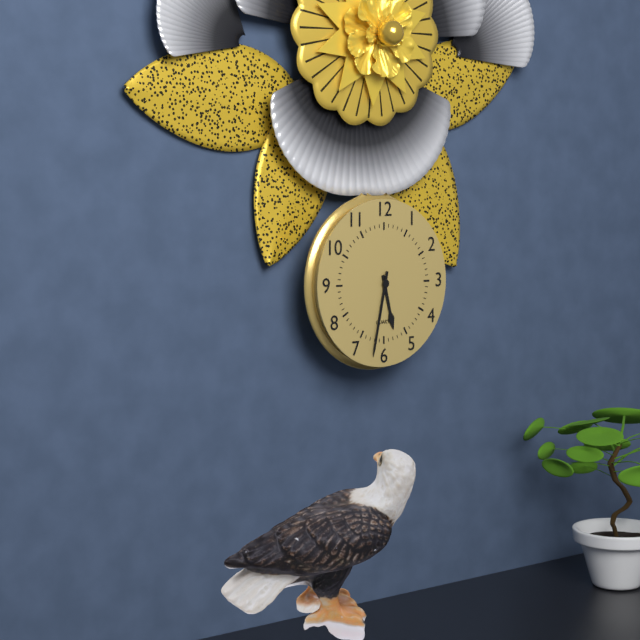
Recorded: {"hour": 5, "minute": 32}
